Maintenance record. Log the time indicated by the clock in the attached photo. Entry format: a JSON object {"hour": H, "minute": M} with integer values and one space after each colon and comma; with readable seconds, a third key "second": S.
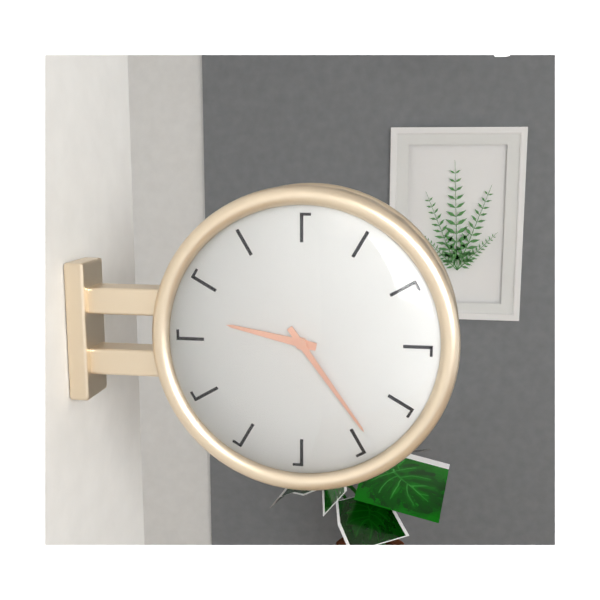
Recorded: {"hour": 9, "minute": 24}
